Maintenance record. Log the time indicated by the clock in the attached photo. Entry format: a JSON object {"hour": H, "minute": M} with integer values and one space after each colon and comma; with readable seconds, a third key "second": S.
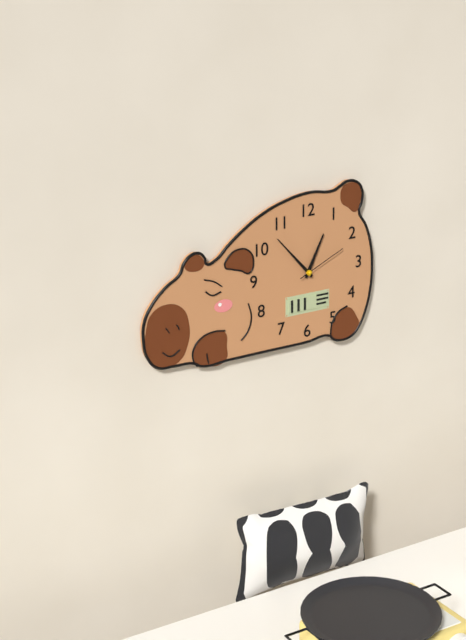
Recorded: {"hour": 12, "minute": 53, "second": 11}
